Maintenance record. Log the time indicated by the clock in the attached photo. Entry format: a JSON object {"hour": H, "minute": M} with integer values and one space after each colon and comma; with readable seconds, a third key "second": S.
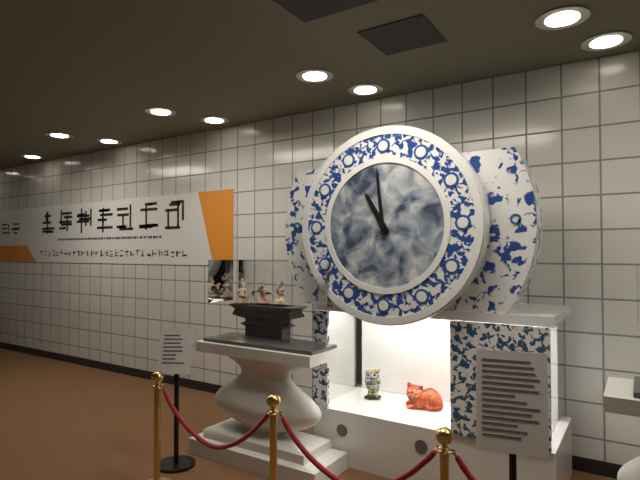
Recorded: {"hour": 10, "minute": 59}
